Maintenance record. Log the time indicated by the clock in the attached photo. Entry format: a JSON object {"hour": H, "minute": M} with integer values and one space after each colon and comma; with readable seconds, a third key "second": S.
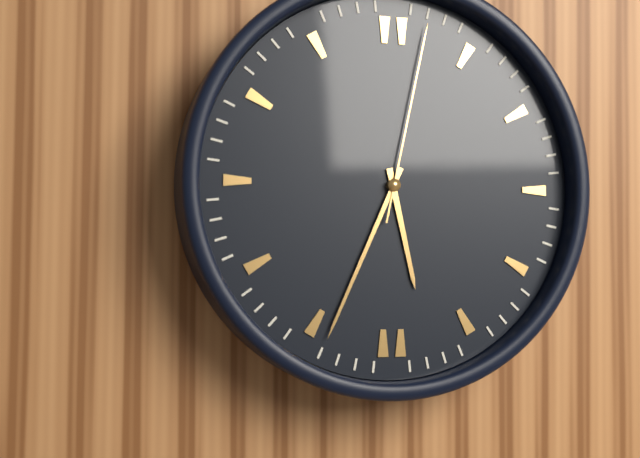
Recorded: {"hour": 5, "minute": 34, "second": 2}
